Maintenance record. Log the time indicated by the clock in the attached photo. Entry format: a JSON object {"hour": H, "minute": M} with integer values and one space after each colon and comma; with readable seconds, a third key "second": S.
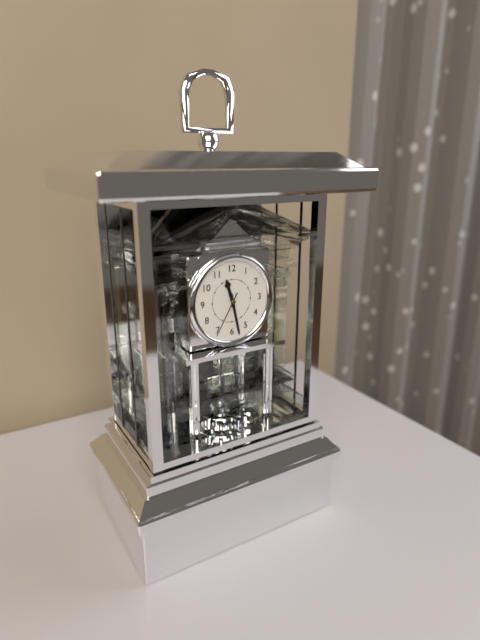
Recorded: {"hour": 11, "minute": 28}
